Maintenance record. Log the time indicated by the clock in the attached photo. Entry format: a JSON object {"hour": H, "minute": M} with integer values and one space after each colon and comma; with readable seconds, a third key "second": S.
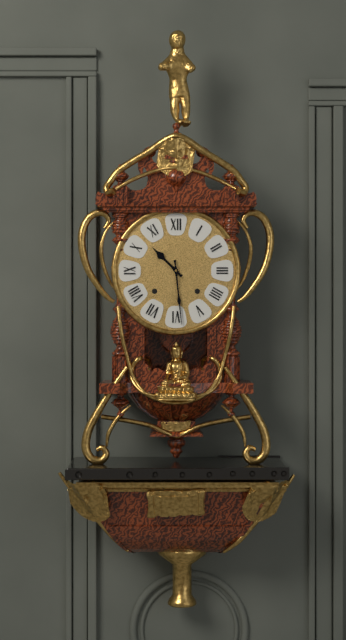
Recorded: {"hour": 10, "minute": 29}
